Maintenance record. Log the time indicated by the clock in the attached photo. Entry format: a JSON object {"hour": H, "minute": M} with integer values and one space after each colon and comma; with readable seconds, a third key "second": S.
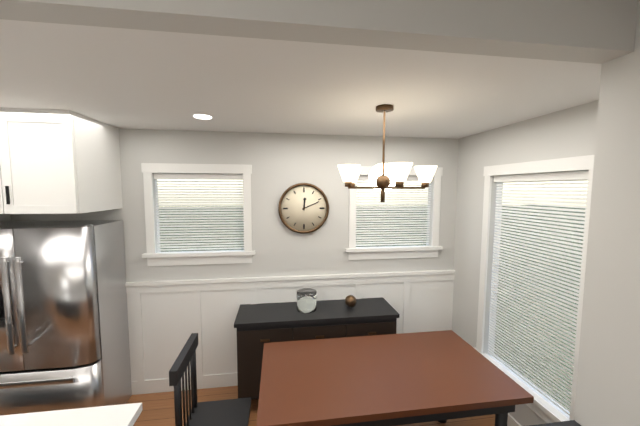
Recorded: {"hour": 12, "minute": 11}
